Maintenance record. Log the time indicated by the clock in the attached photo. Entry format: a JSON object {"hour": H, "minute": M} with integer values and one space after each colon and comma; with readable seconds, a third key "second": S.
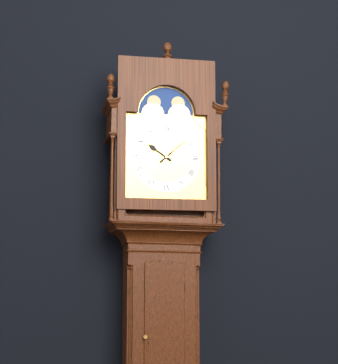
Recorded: {"hour": 10, "minute": 8}
